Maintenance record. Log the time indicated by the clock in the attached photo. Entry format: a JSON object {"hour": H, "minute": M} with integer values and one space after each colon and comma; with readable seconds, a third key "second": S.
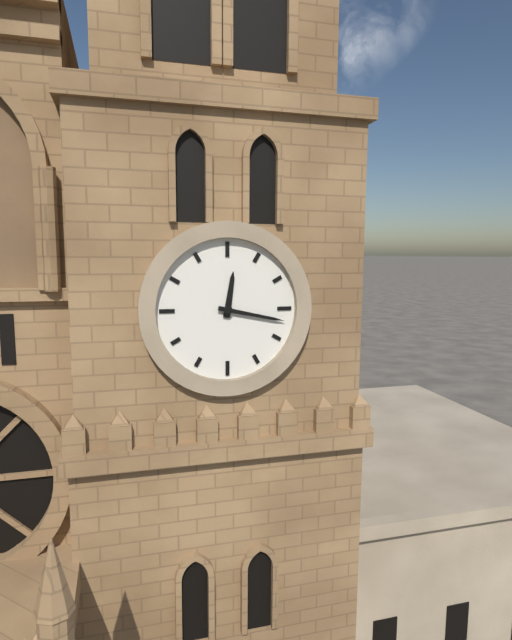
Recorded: {"hour": 12, "minute": 17}
